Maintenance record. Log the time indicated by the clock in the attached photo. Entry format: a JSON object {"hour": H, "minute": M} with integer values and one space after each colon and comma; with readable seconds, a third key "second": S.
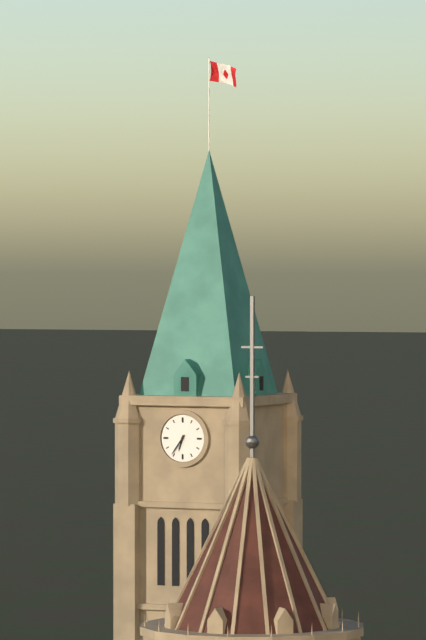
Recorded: {"hour": 6, "minute": 36}
